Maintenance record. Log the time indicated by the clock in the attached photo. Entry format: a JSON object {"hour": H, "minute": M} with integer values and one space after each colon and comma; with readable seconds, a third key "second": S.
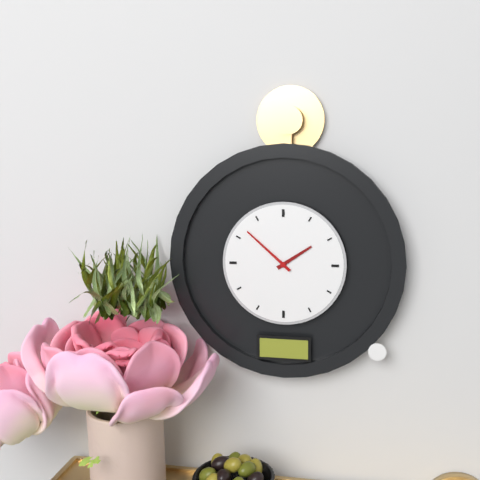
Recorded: {"hour": 1, "minute": 52}
